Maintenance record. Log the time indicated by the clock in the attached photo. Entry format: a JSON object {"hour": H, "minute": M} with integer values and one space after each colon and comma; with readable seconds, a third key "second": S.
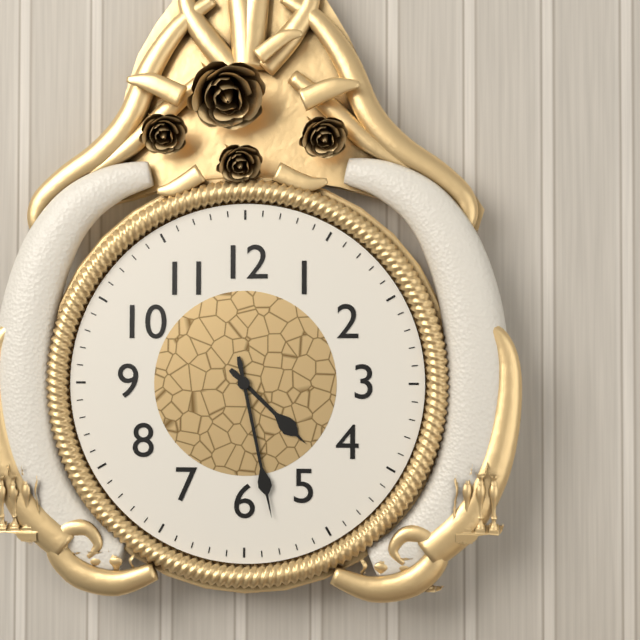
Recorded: {"hour": 4, "minute": 28}
